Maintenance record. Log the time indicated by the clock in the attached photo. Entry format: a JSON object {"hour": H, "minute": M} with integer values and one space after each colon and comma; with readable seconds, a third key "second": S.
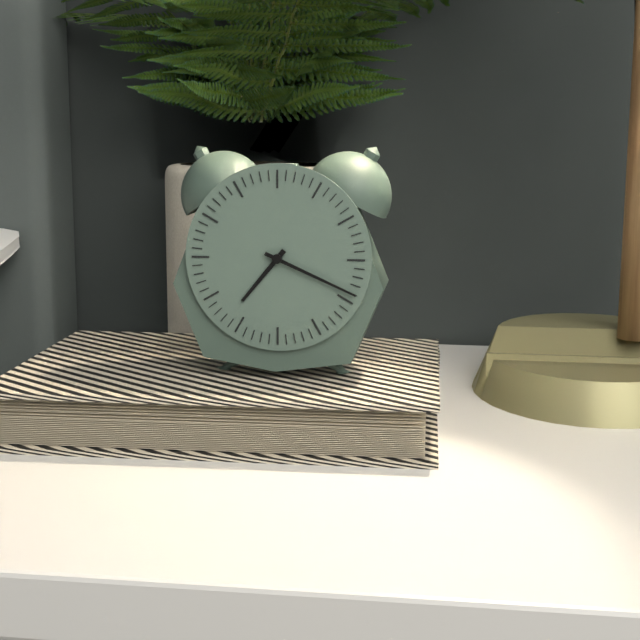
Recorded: {"hour": 7, "minute": 19}
